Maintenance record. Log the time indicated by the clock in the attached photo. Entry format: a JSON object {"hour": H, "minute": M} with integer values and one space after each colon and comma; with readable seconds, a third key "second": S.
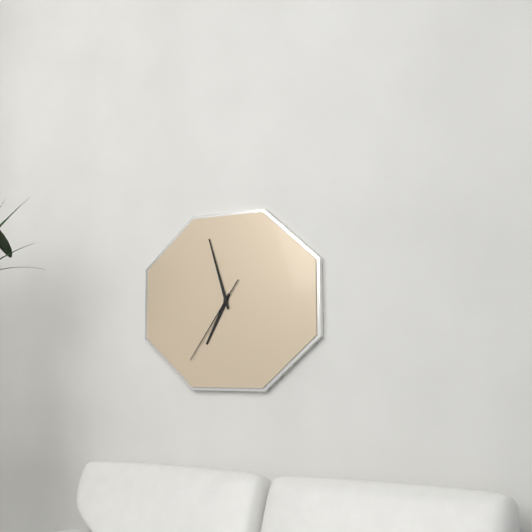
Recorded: {"hour": 6, "minute": 57, "second": 36}
